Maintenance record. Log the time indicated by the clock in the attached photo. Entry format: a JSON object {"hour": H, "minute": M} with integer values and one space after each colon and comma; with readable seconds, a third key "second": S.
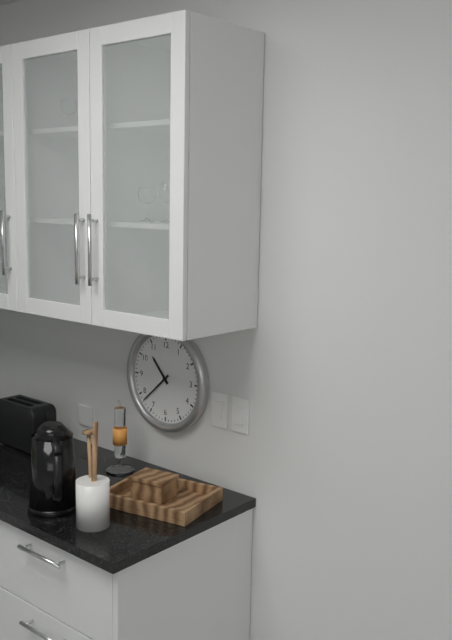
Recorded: {"hour": 10, "minute": 38}
